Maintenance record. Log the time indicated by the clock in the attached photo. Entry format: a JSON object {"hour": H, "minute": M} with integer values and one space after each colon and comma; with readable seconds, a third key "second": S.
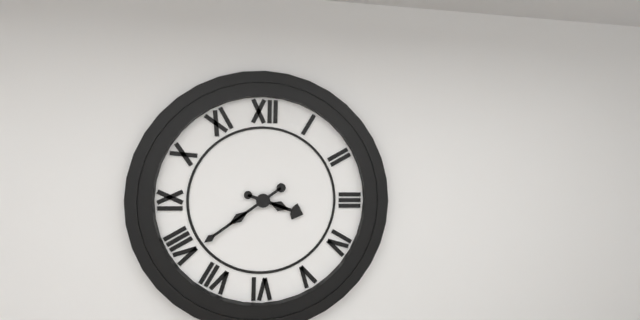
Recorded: {"hour": 3, "minute": 39}
